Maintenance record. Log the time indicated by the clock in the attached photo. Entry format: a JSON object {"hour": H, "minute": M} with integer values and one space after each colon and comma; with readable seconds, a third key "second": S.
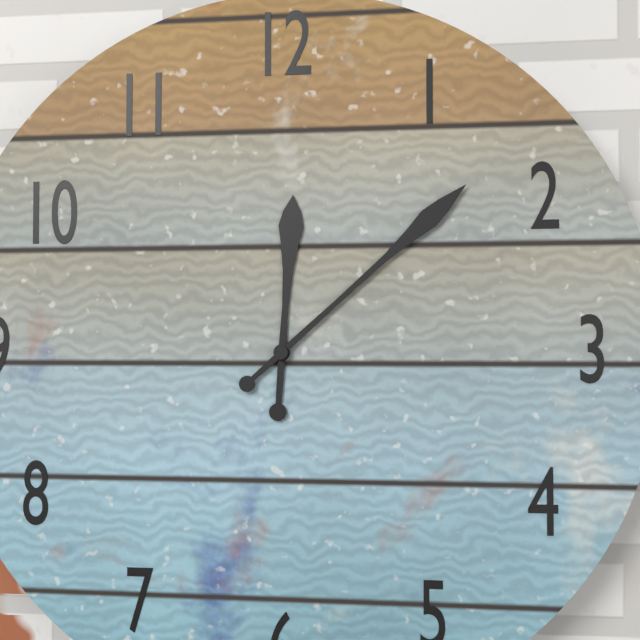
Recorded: {"hour": 12, "minute": 8}
